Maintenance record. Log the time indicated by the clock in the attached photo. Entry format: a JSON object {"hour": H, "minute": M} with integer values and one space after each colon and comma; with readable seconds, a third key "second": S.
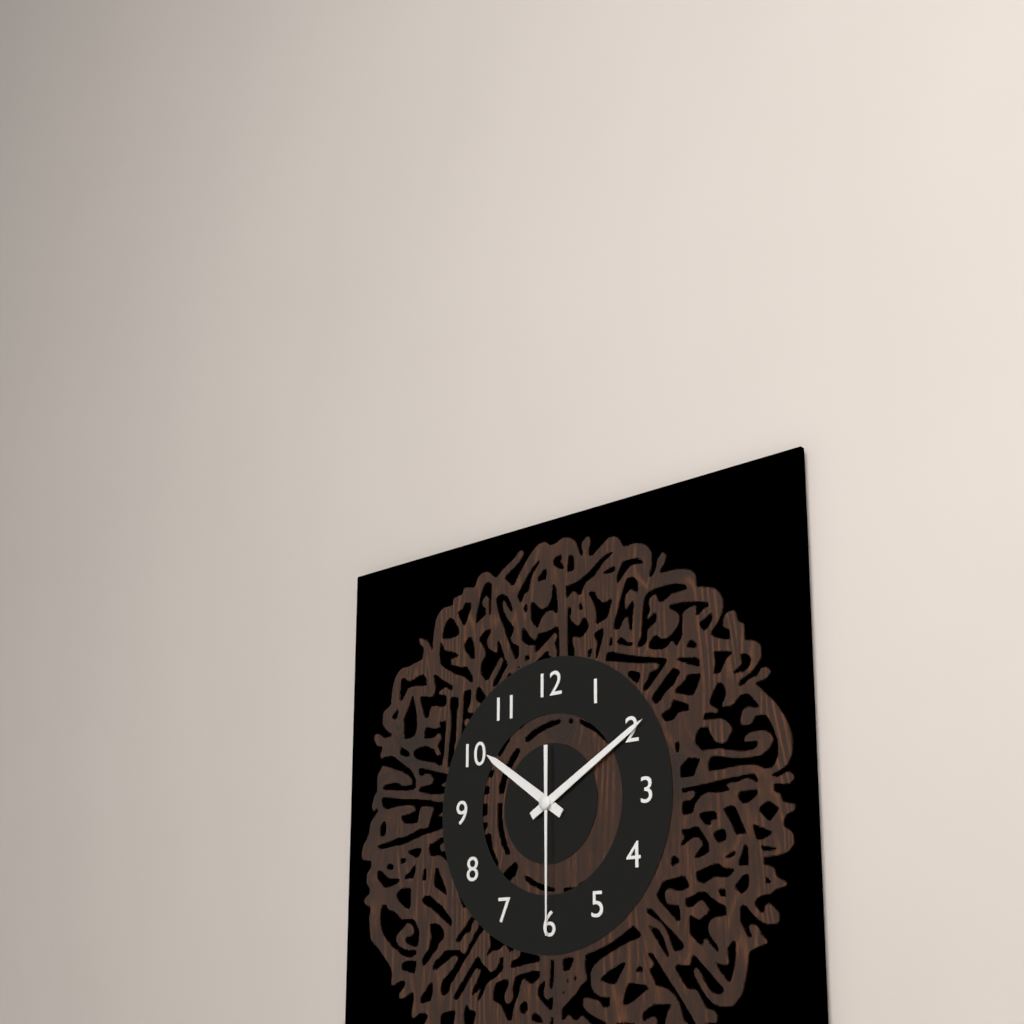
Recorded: {"hour": 10, "minute": 10, "second": 30}
